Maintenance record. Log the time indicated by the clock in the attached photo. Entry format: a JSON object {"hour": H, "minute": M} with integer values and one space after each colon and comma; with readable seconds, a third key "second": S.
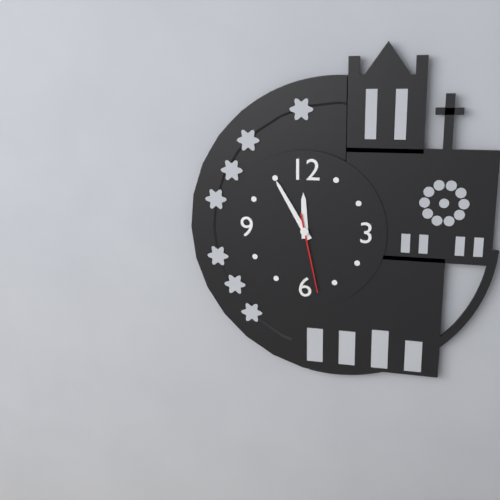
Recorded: {"hour": 11, "minute": 55, "second": 28}
